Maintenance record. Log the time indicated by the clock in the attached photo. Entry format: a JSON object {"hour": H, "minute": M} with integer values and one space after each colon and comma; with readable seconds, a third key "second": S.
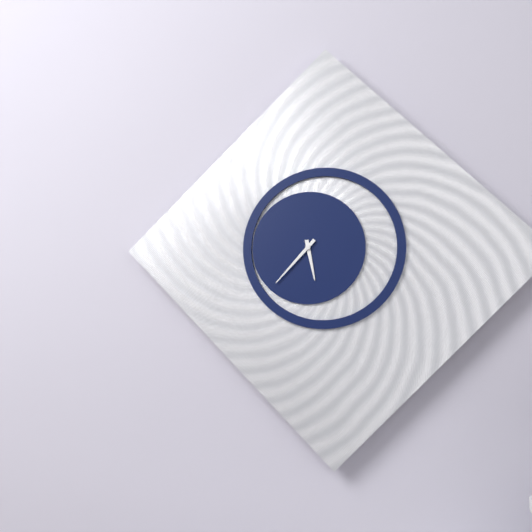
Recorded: {"hour": 5, "minute": 37}
